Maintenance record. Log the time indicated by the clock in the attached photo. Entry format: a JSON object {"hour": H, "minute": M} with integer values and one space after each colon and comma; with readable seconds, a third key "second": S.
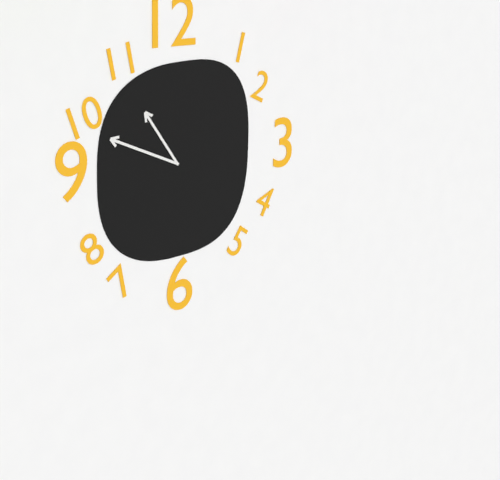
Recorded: {"hour": 10, "minute": 49}
